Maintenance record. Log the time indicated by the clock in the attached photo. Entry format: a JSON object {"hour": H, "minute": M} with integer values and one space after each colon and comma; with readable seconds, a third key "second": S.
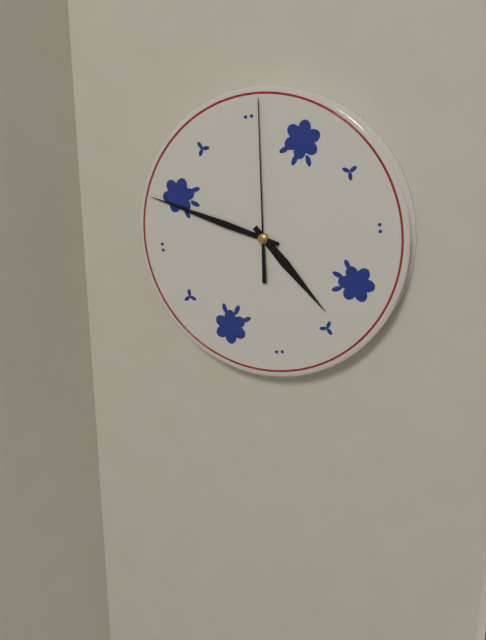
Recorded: {"hour": 4, "minute": 49, "second": 1}
